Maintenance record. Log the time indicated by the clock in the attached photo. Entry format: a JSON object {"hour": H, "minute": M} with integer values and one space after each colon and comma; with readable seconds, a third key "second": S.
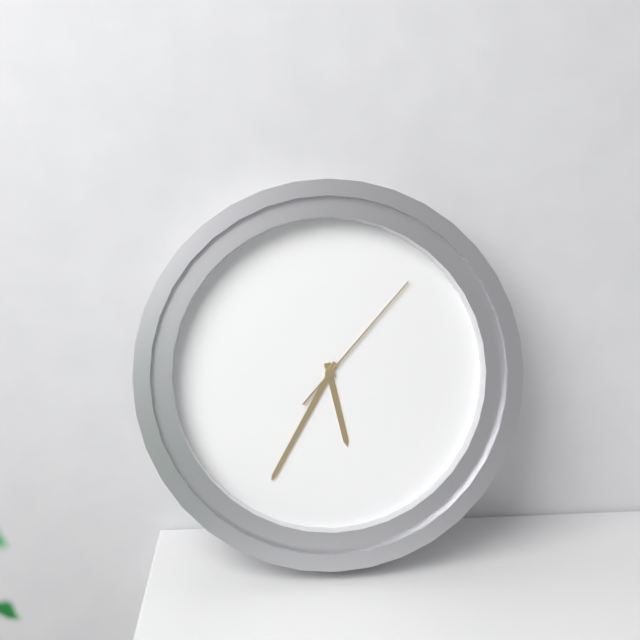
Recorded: {"hour": 5, "minute": 35, "second": 7}
